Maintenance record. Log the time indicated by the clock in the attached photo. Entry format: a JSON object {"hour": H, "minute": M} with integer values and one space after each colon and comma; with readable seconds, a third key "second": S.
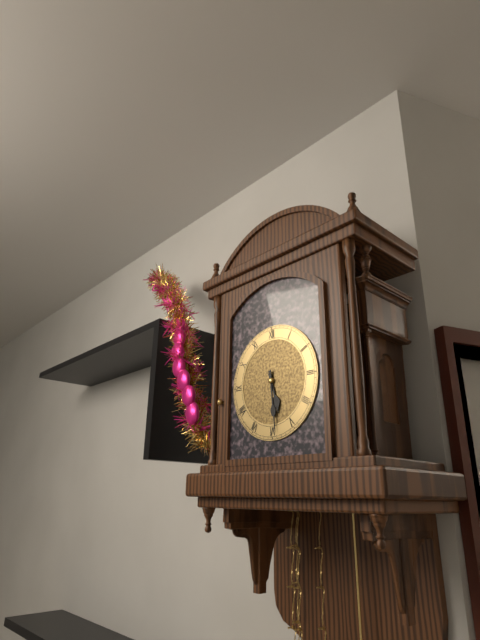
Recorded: {"hour": 5, "minute": 29}
